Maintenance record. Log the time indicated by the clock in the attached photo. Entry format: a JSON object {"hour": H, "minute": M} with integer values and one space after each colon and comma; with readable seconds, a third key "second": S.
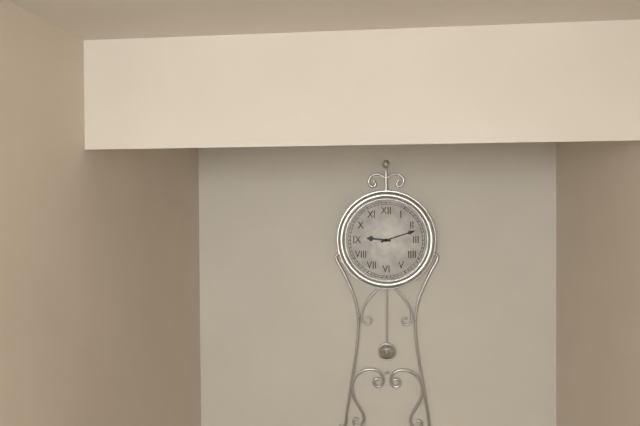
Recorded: {"hour": 9, "minute": 12}
